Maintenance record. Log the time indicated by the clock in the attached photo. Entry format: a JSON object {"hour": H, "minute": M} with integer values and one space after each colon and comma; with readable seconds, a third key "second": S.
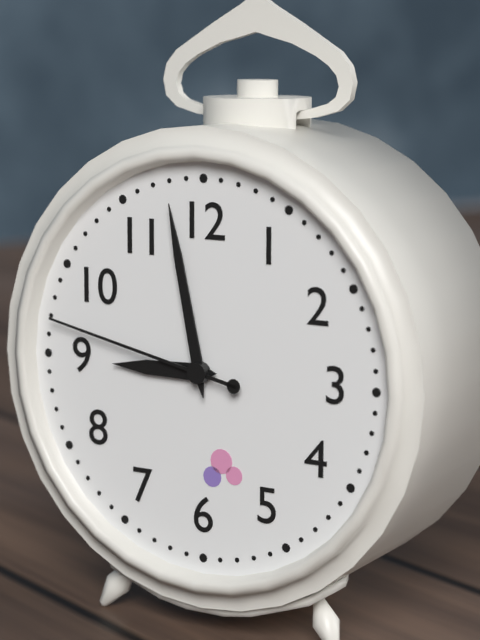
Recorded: {"hour": 8, "minute": 58, "second": 47}
